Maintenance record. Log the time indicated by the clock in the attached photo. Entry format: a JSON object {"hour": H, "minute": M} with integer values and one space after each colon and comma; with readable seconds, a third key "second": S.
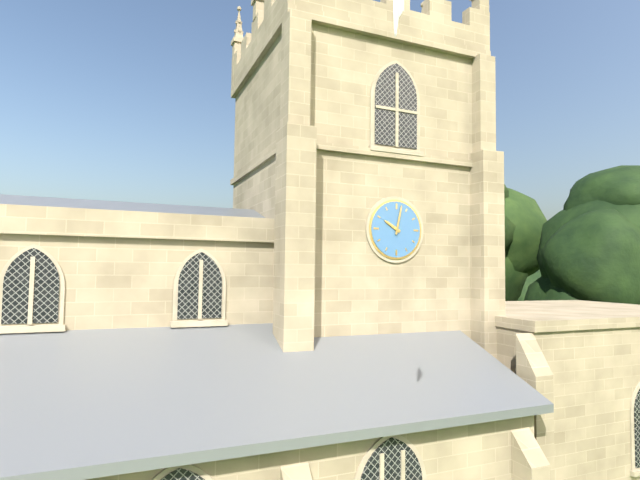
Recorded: {"hour": 10, "minute": 2}
